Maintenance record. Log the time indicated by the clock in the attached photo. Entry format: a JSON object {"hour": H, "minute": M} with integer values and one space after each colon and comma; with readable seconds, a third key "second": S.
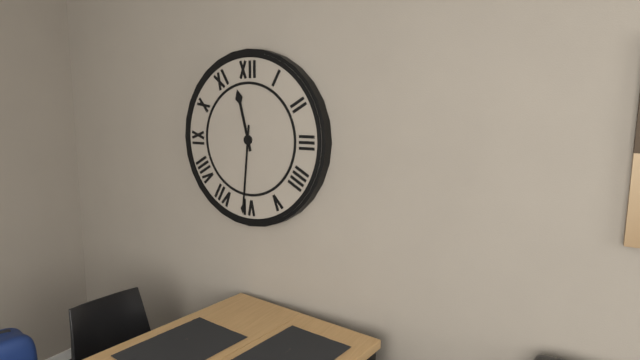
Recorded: {"hour": 11, "minute": 31}
